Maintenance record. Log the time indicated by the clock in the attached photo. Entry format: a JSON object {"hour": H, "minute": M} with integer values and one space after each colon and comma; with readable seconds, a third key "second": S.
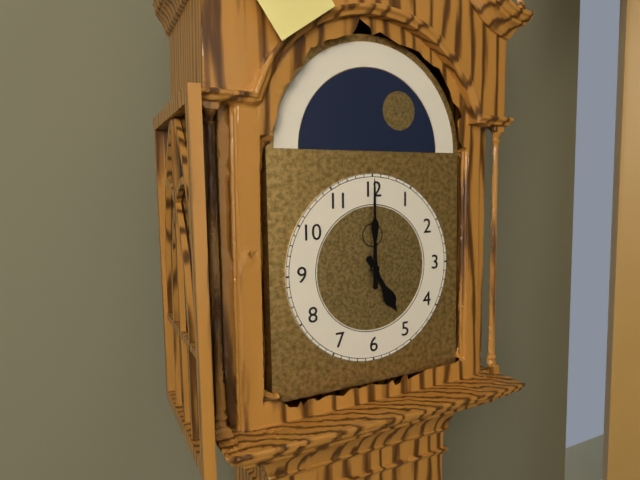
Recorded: {"hour": 5, "minute": 0}
